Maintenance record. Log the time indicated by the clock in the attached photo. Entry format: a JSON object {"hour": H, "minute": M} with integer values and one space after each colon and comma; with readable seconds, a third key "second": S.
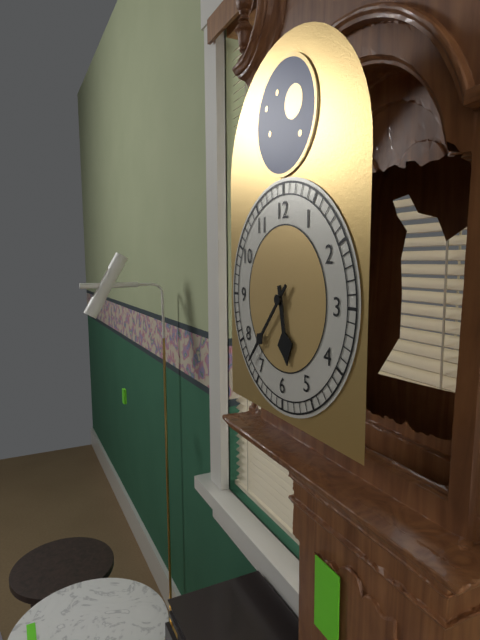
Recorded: {"hour": 5, "minute": 37}
